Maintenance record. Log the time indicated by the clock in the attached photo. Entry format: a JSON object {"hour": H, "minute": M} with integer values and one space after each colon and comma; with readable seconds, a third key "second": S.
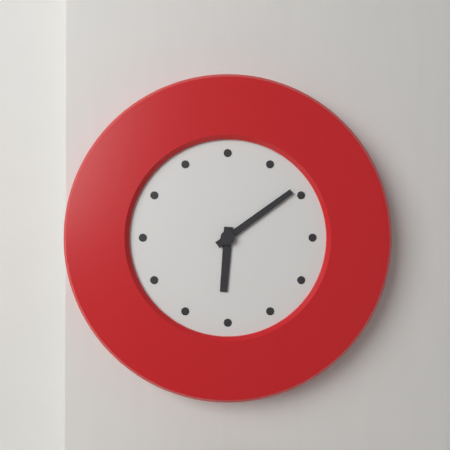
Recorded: {"hour": 6, "minute": 9}
